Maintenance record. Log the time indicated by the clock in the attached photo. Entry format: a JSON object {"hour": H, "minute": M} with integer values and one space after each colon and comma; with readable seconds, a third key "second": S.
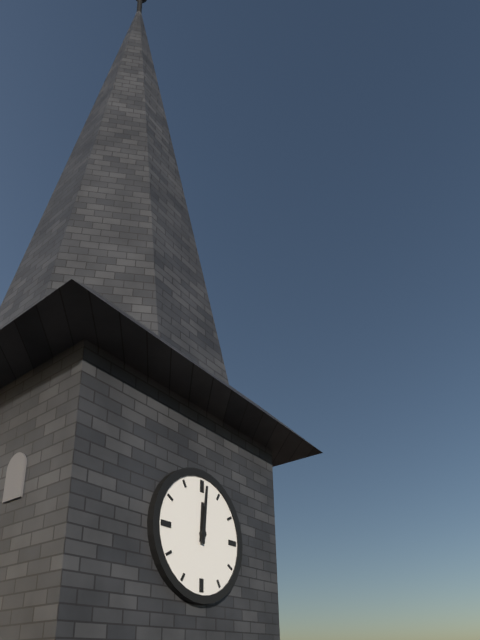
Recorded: {"hour": 12, "minute": 1}
